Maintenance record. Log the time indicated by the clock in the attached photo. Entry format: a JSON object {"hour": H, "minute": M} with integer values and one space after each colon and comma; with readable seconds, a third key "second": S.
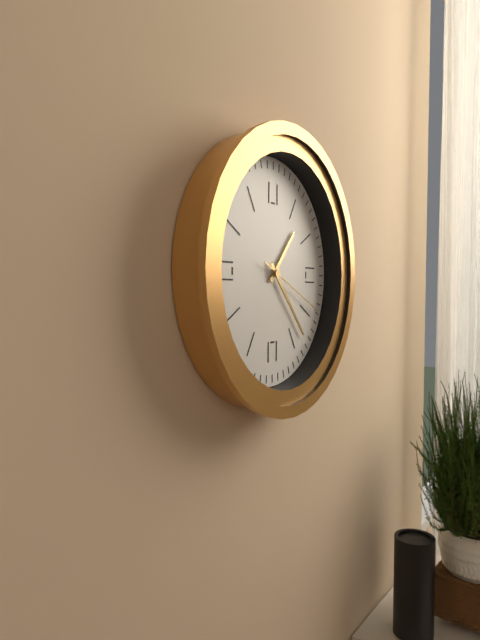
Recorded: {"hour": 1, "minute": 23, "second": 19}
